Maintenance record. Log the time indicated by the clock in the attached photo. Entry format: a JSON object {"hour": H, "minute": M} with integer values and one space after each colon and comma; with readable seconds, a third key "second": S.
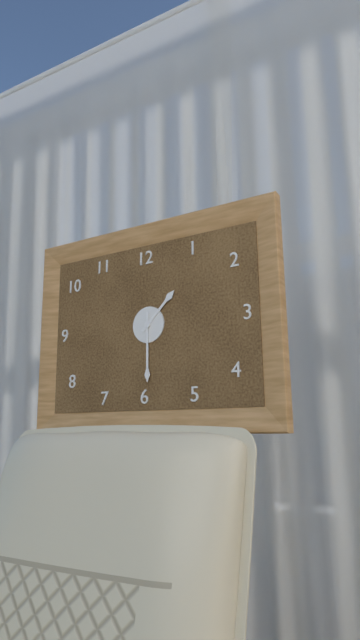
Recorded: {"hour": 1, "minute": 30}
